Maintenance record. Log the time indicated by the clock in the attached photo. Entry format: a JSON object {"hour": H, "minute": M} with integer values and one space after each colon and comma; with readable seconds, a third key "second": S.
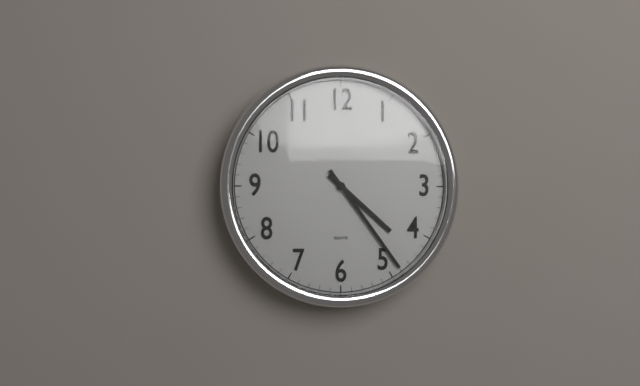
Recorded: {"hour": 4, "minute": 24}
